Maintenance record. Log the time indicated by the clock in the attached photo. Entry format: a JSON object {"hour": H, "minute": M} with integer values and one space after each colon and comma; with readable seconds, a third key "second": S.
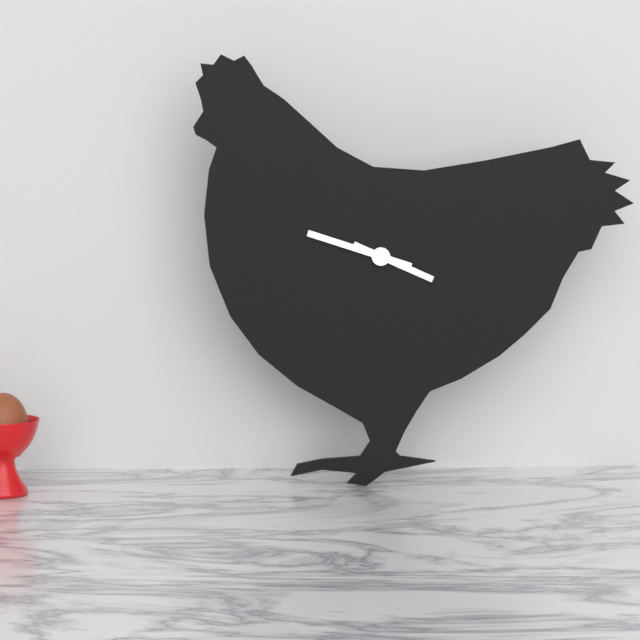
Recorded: {"hour": 3, "minute": 48}
